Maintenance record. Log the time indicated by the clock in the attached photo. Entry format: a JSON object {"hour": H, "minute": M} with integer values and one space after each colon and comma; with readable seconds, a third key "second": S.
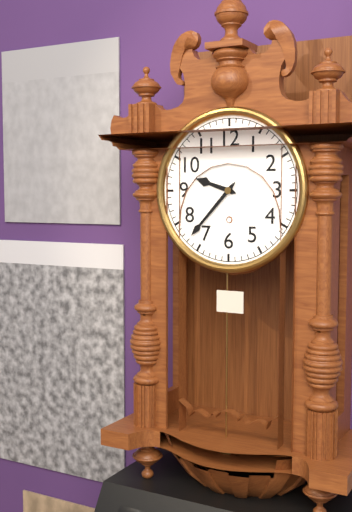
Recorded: {"hour": 9, "minute": 37}
